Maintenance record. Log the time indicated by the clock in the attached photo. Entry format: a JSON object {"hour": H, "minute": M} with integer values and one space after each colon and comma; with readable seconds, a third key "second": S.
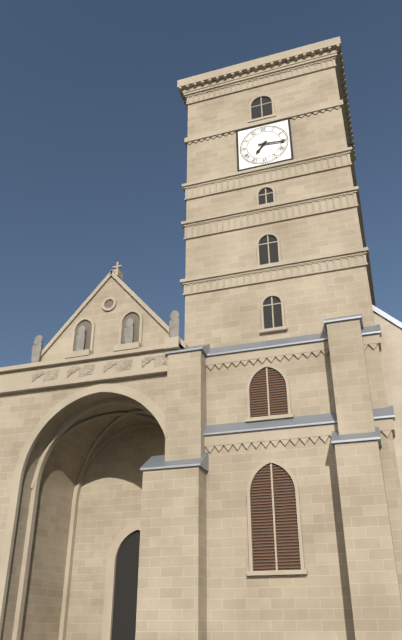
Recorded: {"hour": 7, "minute": 16}
